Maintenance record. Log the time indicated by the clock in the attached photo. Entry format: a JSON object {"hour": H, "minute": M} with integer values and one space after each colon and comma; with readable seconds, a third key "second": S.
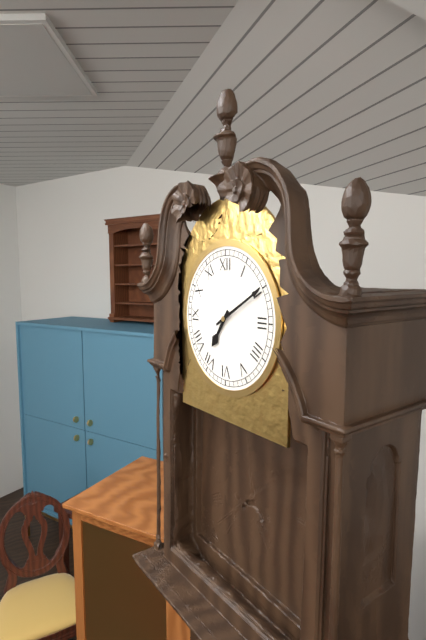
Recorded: {"hour": 7, "minute": 10}
